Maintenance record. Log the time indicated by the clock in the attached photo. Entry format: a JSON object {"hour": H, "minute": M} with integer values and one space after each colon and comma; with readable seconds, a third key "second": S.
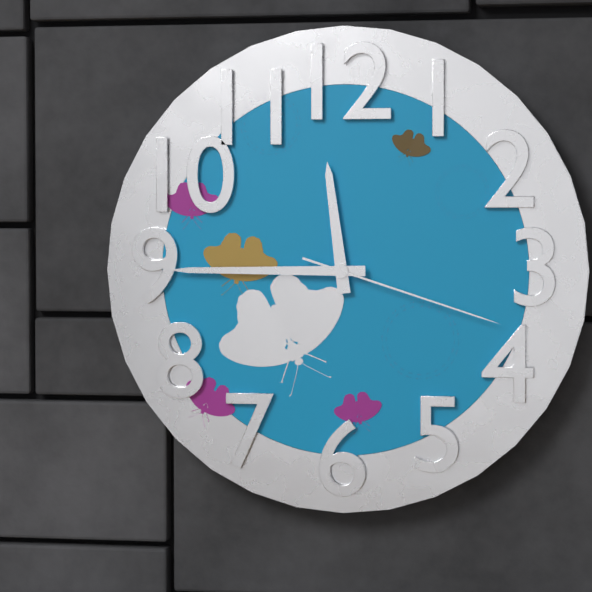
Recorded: {"hour": 11, "minute": 45, "second": 18}
